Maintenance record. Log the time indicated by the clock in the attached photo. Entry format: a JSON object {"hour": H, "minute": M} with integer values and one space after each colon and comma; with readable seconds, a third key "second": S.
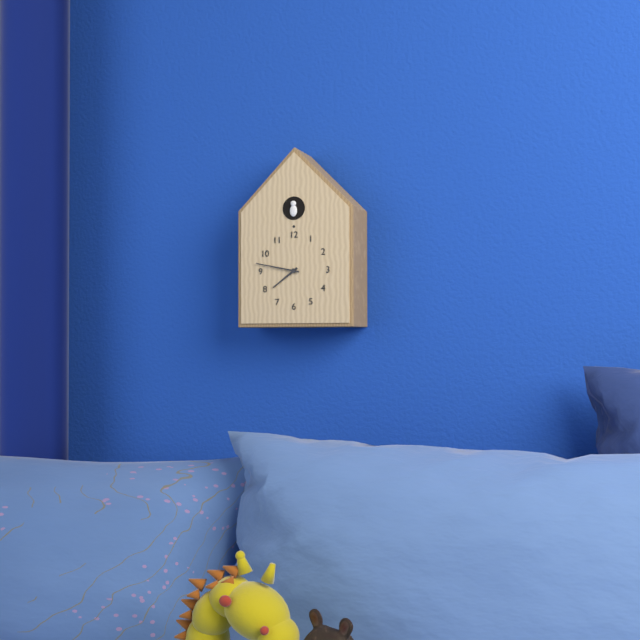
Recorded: {"hour": 7, "minute": 47}
